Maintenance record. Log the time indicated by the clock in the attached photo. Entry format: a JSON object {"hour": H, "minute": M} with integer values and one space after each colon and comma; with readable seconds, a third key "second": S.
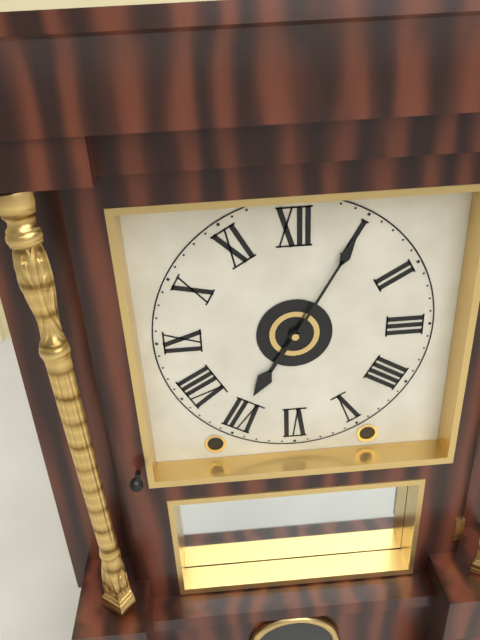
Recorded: {"hour": 7, "minute": 5}
